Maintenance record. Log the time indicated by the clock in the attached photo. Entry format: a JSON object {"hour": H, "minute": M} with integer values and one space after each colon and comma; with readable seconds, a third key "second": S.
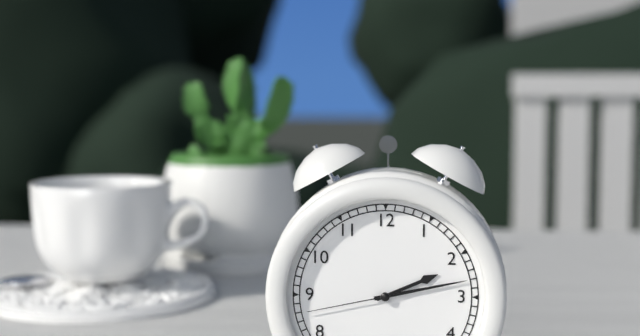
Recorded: {"hour": 2, "minute": 13, "second": 43}
